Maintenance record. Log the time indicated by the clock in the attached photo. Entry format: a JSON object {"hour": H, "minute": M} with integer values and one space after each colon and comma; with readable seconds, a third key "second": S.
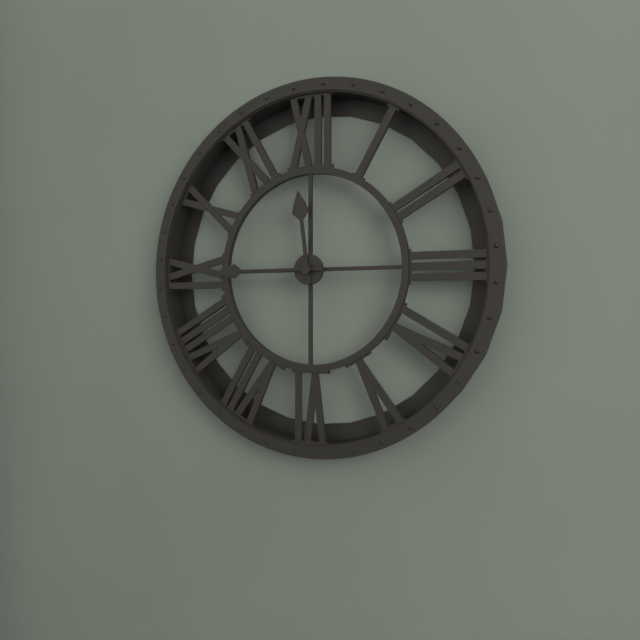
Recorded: {"hour": 11, "minute": 45}
